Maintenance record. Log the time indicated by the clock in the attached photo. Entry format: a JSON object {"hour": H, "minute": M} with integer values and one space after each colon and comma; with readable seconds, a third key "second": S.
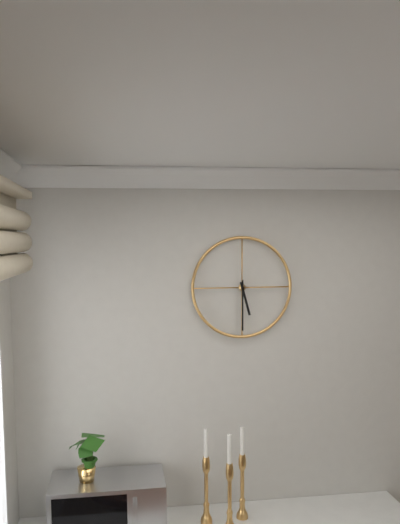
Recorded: {"hour": 5, "minute": 30}
